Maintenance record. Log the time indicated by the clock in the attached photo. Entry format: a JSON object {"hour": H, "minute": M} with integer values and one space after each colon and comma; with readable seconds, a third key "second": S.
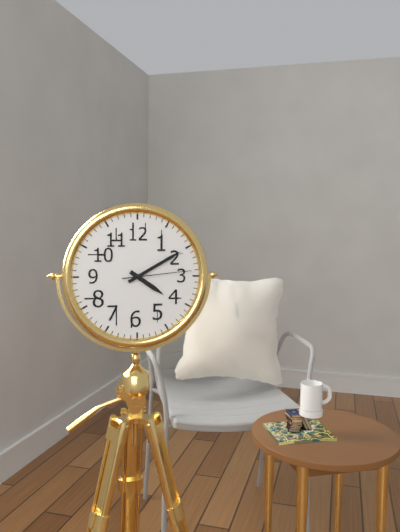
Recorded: {"hour": 4, "minute": 10, "second": 14}
